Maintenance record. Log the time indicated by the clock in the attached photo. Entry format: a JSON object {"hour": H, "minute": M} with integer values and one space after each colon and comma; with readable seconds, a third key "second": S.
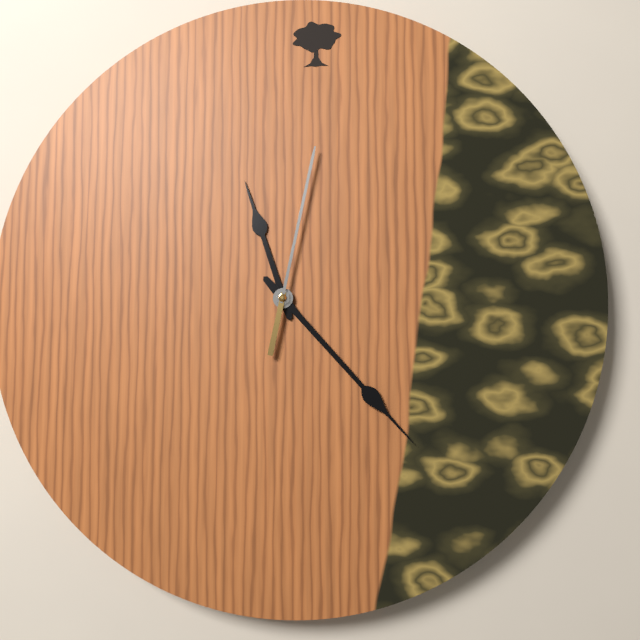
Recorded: {"hour": 11, "minute": 23, "second": 2}
